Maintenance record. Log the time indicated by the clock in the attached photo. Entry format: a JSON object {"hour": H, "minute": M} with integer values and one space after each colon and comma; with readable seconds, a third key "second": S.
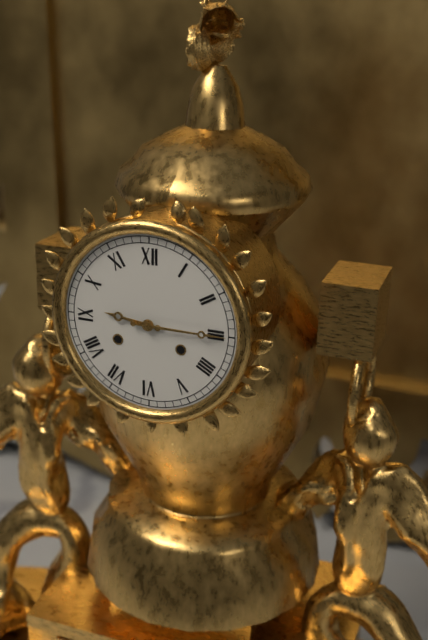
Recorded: {"hour": 9, "minute": 15}
